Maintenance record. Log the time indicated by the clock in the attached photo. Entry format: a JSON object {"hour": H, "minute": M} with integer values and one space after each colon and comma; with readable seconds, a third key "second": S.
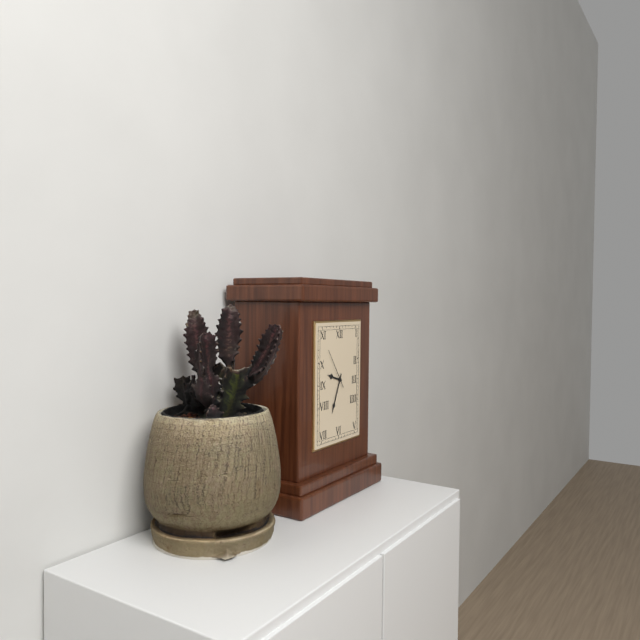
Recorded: {"hour": 9, "minute": 34, "second": 54}
